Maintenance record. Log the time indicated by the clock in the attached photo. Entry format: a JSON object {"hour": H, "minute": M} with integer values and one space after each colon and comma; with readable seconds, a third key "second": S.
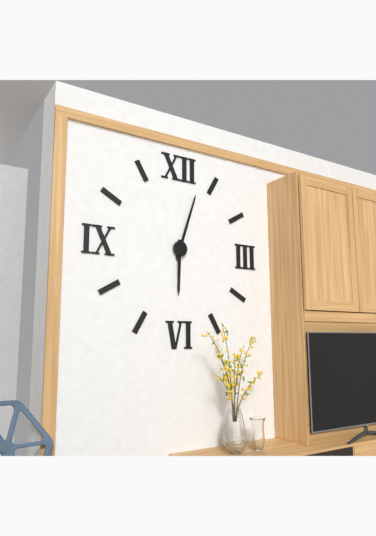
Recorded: {"hour": 6, "minute": 3}
